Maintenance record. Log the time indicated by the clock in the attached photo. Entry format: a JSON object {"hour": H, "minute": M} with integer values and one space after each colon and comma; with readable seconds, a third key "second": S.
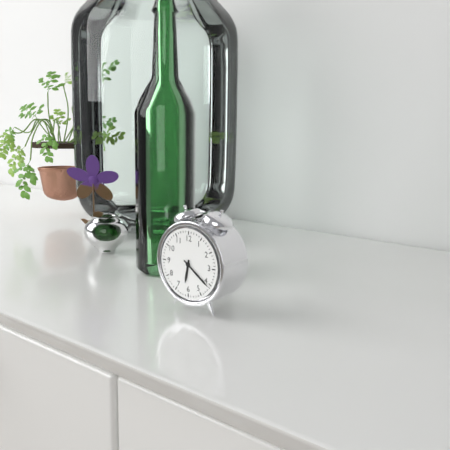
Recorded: {"hour": 6, "minute": 21}
